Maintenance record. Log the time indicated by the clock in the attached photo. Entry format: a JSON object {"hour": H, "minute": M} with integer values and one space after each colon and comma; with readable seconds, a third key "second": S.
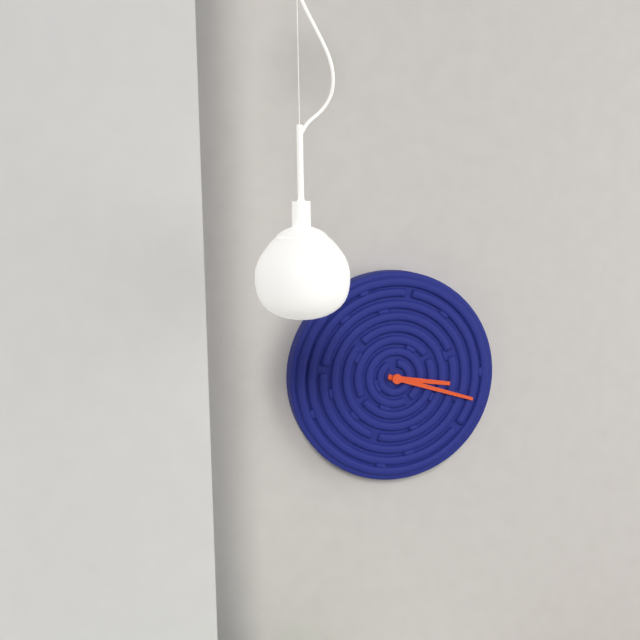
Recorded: {"hour": 3, "minute": 18}
